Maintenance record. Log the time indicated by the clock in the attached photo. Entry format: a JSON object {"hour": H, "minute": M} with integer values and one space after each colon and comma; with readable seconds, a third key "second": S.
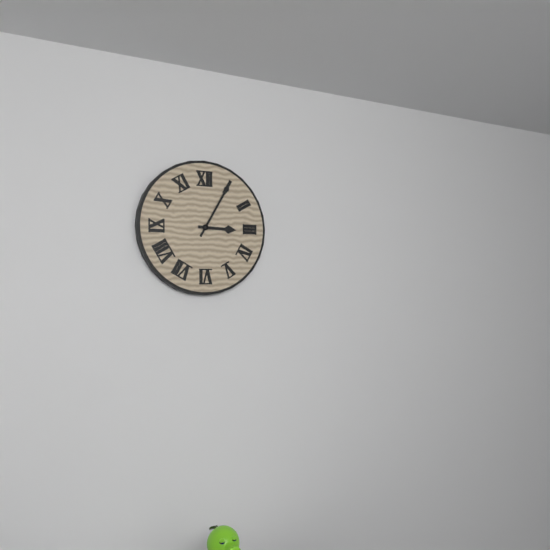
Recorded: {"hour": 3, "minute": 5}
